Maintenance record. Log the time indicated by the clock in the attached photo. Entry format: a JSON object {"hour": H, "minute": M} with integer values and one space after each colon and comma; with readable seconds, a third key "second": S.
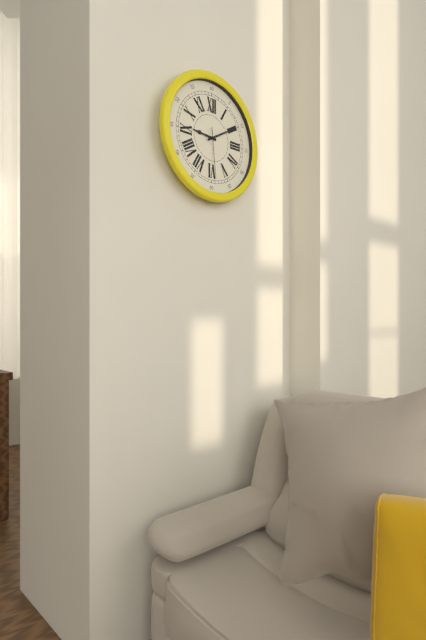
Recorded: {"hour": 9, "minute": 10, "second": 29}
